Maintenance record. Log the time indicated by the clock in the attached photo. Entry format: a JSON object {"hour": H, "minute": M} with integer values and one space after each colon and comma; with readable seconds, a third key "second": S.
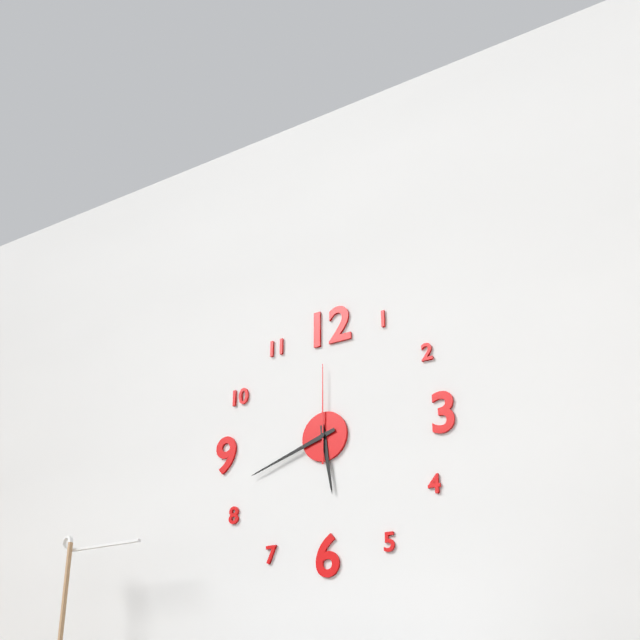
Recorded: {"hour": 5, "minute": 42, "second": 0}
